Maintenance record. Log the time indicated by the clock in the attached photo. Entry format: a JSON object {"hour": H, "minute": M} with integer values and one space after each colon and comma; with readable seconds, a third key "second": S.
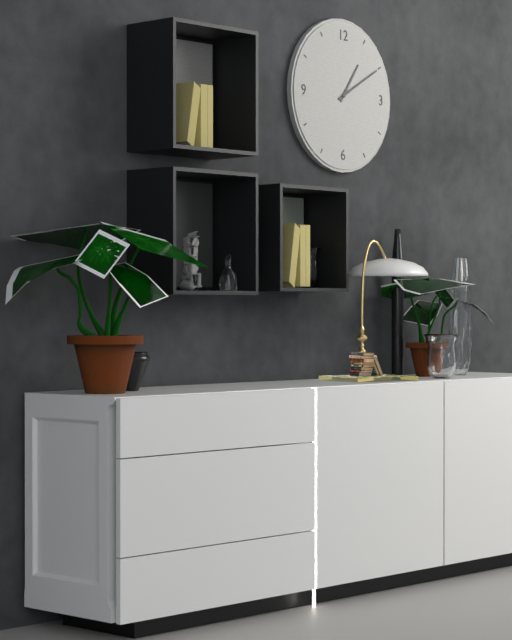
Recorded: {"hour": 1, "minute": 10}
